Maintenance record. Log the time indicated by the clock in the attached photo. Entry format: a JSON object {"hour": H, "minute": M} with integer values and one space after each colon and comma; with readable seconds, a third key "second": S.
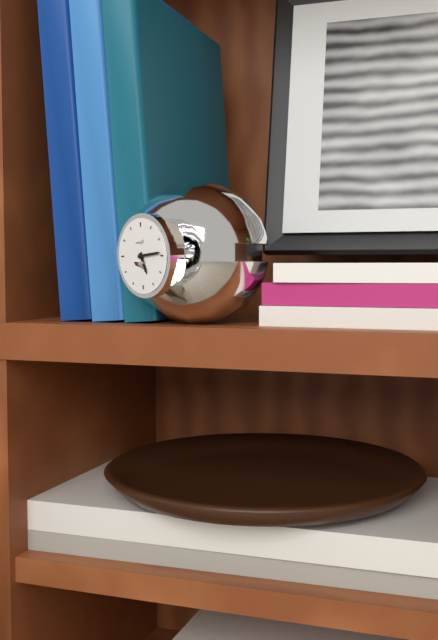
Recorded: {"hour": 5, "minute": 14}
